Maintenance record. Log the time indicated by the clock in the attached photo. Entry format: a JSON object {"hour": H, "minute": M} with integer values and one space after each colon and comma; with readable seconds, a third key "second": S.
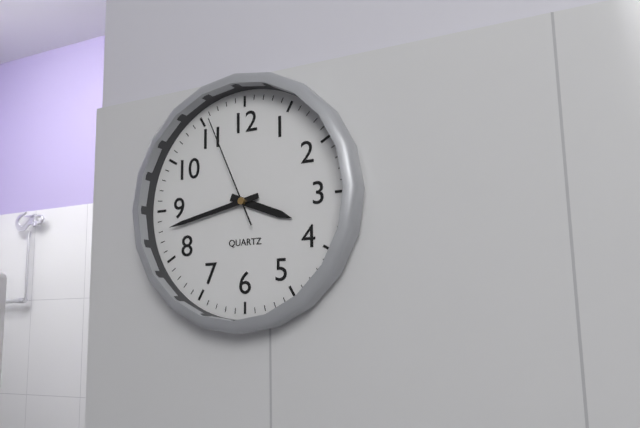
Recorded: {"hour": 3, "minute": 43, "second": 56}
